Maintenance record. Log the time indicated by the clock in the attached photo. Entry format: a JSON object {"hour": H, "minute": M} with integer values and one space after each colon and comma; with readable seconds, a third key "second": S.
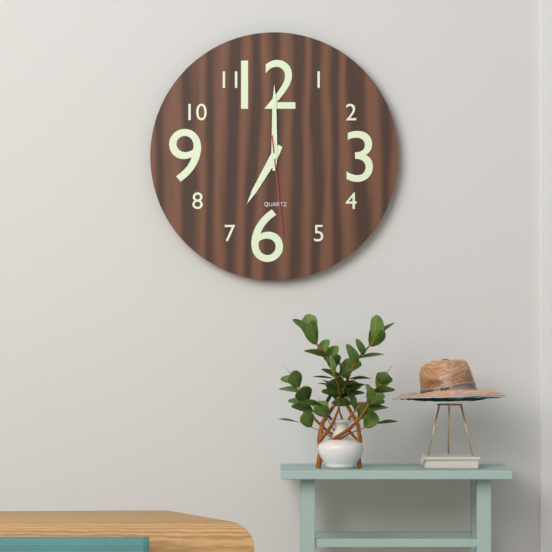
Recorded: {"hour": 7, "minute": 0, "second": 29}
